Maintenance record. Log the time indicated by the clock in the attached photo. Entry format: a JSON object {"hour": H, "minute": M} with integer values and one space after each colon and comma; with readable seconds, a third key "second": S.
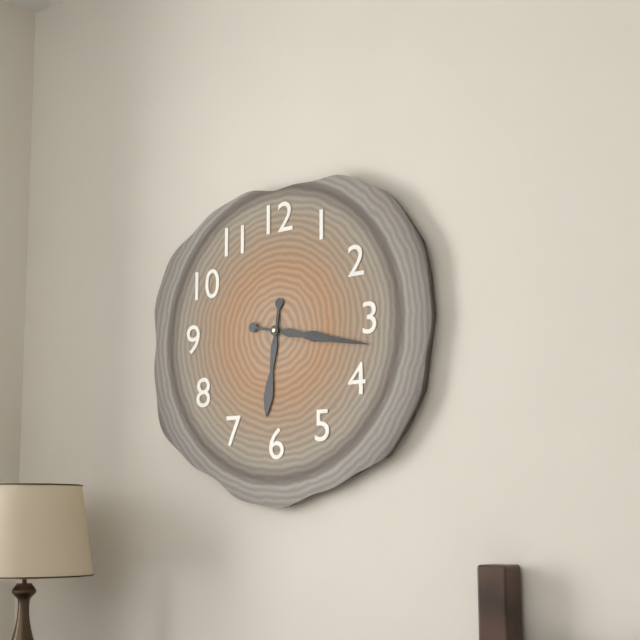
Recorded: {"hour": 6, "minute": 17}
